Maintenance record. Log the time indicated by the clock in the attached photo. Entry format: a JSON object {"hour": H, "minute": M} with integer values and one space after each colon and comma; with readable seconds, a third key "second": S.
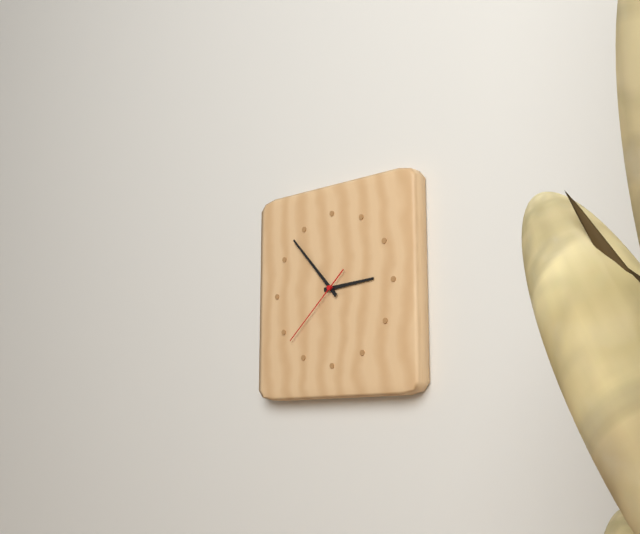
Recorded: {"hour": 2, "minute": 53, "second": 38}
